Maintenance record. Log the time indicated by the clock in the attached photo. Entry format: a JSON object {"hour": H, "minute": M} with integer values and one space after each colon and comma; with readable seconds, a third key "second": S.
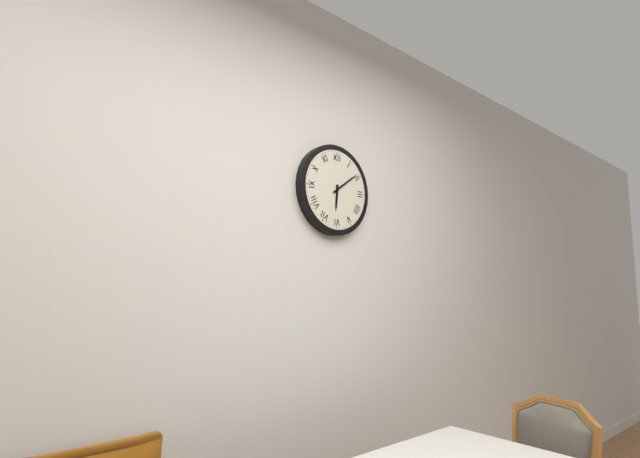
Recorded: {"hour": 6, "minute": 9}
